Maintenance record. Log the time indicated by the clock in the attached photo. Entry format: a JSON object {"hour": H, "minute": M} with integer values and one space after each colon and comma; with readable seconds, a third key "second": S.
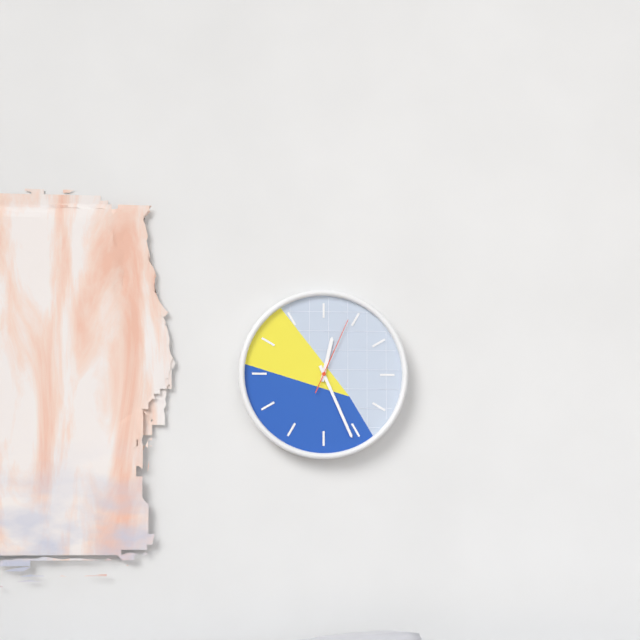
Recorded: {"hour": 12, "minute": 26, "second": 4}
